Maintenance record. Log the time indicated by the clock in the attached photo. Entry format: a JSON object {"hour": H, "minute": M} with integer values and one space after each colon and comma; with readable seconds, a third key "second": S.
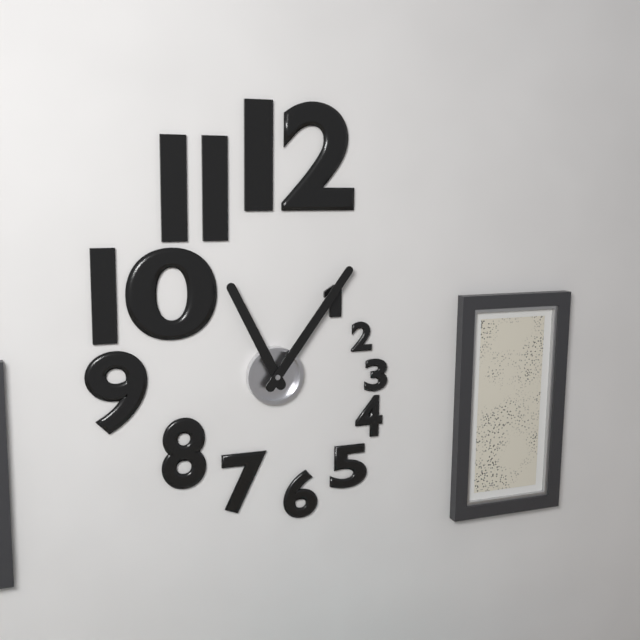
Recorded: {"hour": 11, "minute": 6}
